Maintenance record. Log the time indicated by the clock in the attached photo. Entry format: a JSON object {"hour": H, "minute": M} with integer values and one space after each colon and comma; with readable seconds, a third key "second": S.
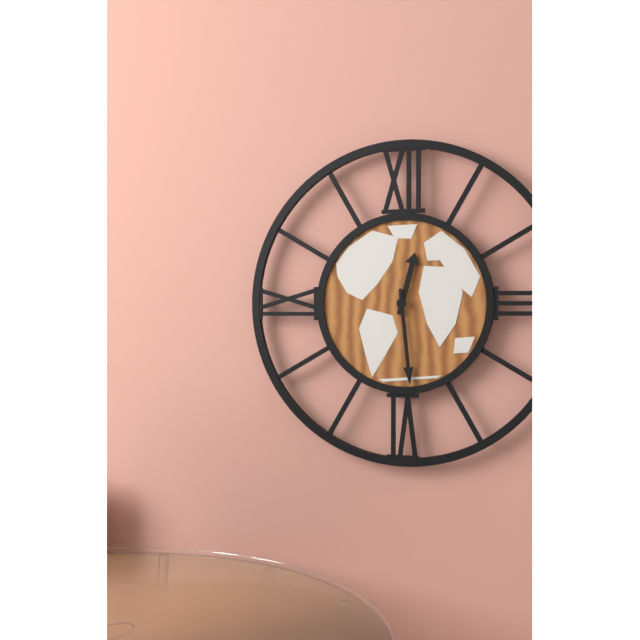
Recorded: {"hour": 12, "minute": 29}
